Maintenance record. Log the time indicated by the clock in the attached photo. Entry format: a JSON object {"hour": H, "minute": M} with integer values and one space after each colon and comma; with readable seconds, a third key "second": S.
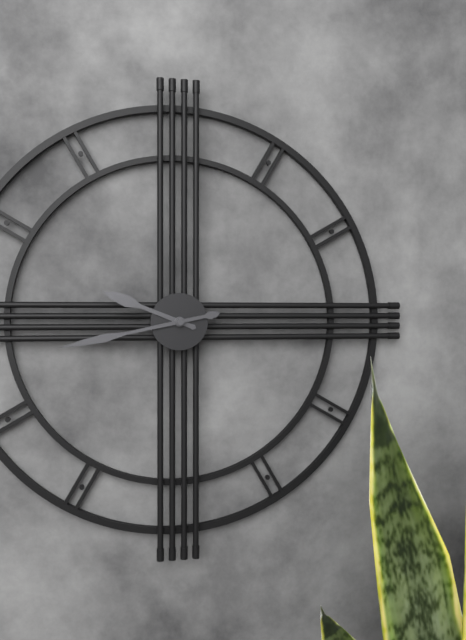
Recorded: {"hour": 9, "minute": 43}
